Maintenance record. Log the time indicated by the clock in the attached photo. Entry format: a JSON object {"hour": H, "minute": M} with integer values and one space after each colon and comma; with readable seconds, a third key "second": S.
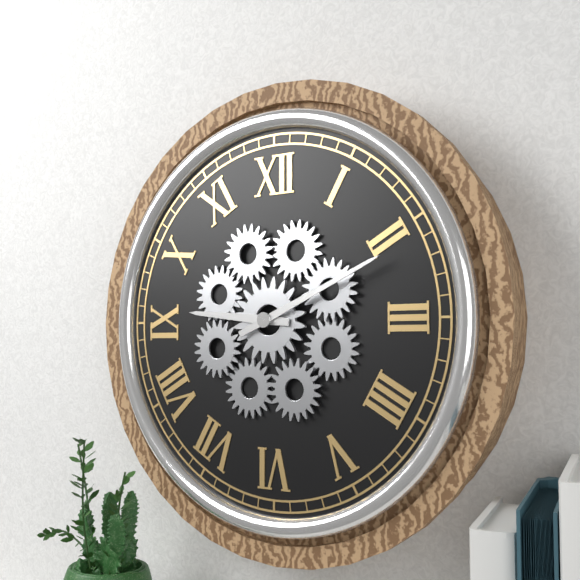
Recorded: {"hour": 9, "minute": 11}
